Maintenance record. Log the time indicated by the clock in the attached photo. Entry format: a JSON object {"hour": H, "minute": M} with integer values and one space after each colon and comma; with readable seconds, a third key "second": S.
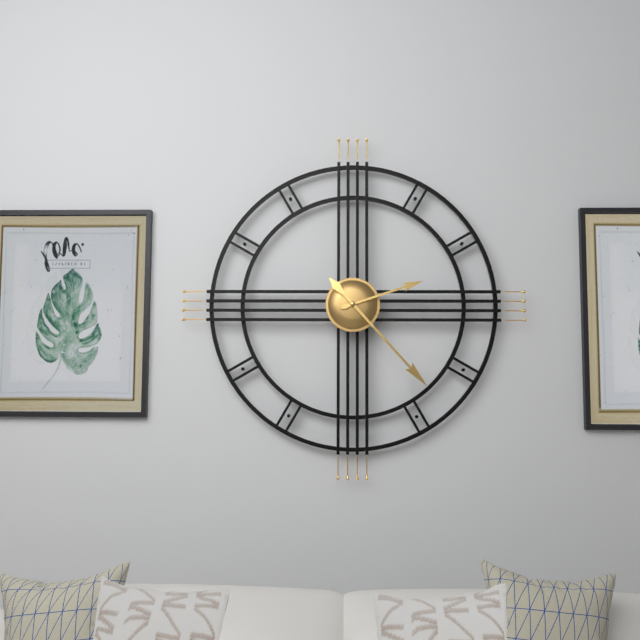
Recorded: {"hour": 2, "minute": 23}
